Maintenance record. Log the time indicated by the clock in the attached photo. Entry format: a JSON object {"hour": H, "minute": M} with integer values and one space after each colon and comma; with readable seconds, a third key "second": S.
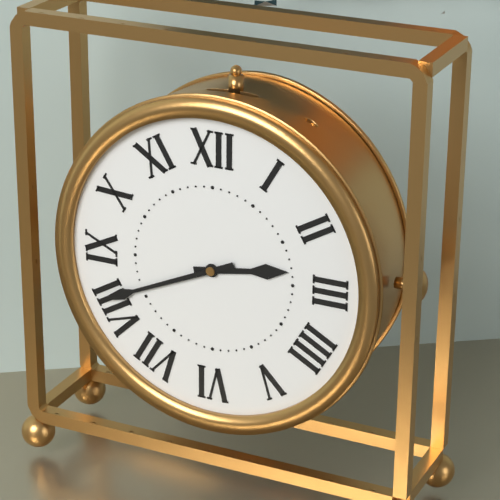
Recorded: {"hour": 2, "minute": 41}
